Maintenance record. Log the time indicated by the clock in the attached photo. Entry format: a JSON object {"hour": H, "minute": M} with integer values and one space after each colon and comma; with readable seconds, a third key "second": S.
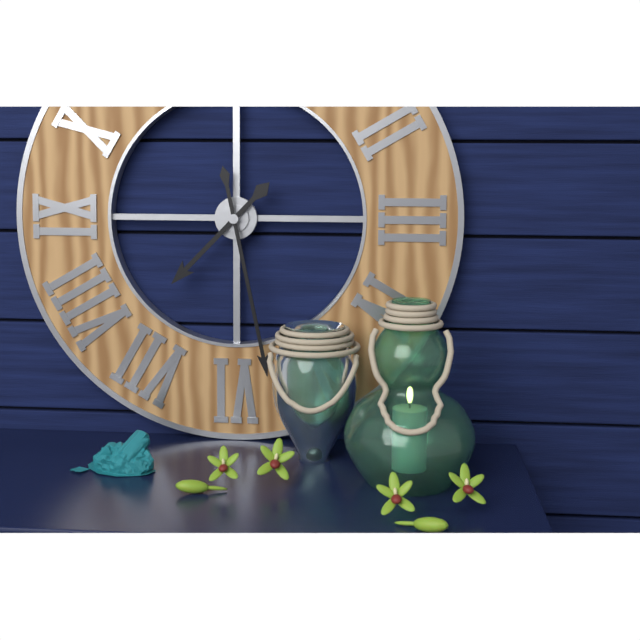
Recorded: {"hour": 7, "minute": 28}
